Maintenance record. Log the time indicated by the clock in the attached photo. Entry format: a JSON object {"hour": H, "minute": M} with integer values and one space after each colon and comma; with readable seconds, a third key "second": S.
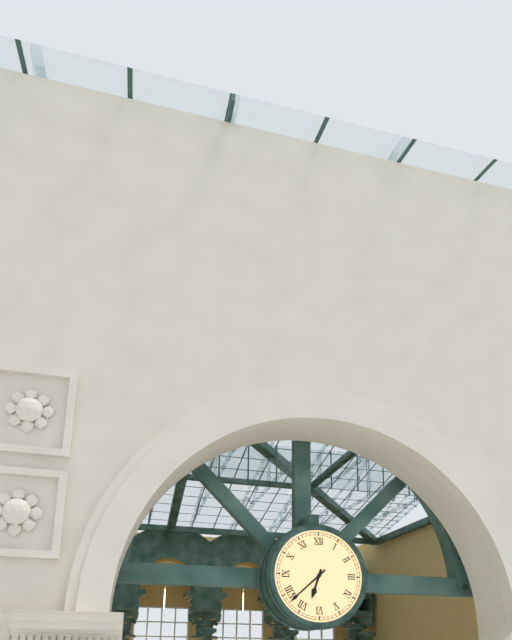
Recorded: {"hour": 6, "minute": 38}
